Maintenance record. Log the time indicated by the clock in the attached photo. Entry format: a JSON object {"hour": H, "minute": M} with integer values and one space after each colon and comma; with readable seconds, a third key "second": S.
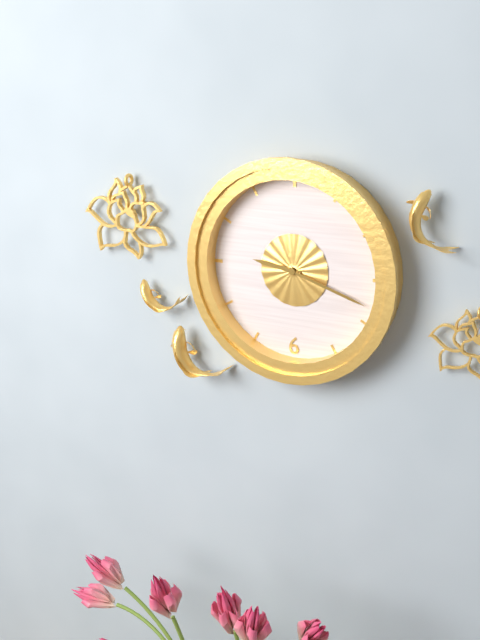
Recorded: {"hour": 9, "minute": 18}
